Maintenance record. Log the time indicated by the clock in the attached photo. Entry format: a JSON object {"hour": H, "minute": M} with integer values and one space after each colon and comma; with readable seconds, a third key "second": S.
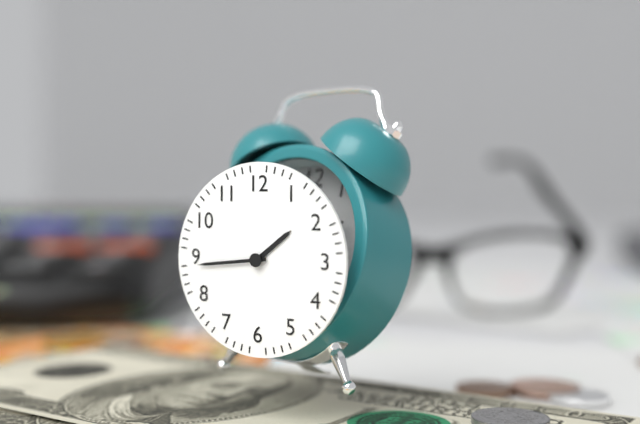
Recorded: {"hour": 1, "minute": 44}
